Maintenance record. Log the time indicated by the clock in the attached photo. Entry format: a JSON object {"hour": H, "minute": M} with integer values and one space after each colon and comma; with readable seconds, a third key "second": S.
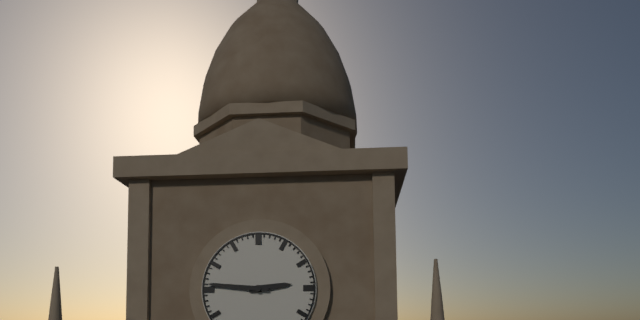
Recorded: {"hour": 2, "minute": 46}
